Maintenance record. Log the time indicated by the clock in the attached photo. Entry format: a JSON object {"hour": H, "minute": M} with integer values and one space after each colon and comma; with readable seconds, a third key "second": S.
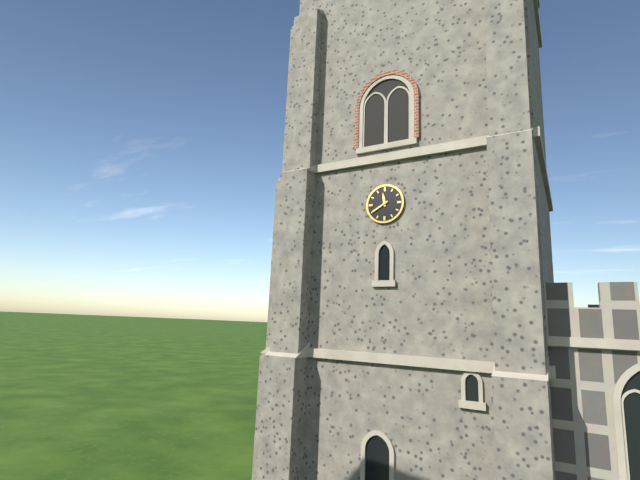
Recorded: {"hour": 11, "minute": 40}
